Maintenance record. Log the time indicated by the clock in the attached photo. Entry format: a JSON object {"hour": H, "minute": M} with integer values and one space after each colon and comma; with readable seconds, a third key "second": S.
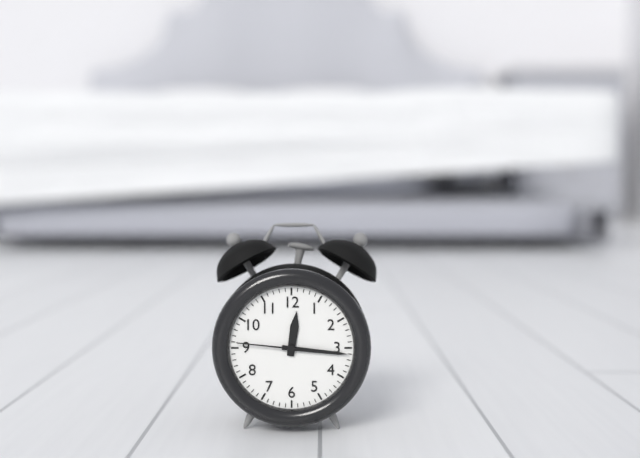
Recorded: {"hour": 12, "minute": 16, "second": 46}
